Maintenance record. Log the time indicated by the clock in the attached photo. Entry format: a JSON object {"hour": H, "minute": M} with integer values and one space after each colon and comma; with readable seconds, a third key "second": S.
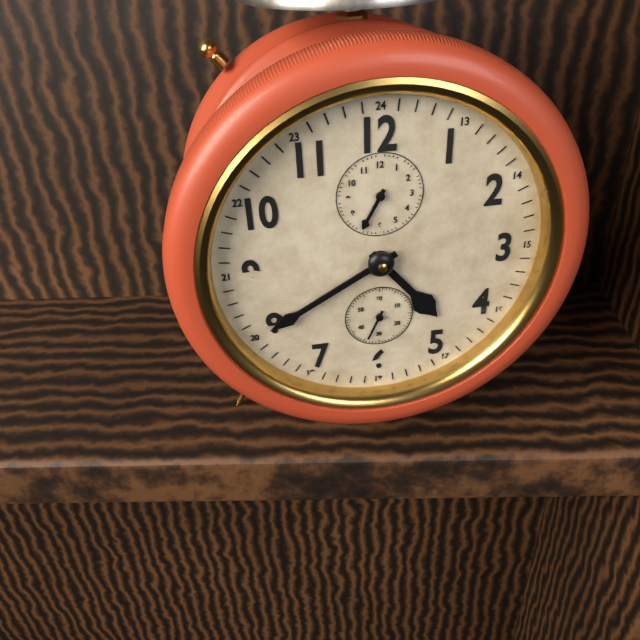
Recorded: {"hour": 4, "minute": 40}
